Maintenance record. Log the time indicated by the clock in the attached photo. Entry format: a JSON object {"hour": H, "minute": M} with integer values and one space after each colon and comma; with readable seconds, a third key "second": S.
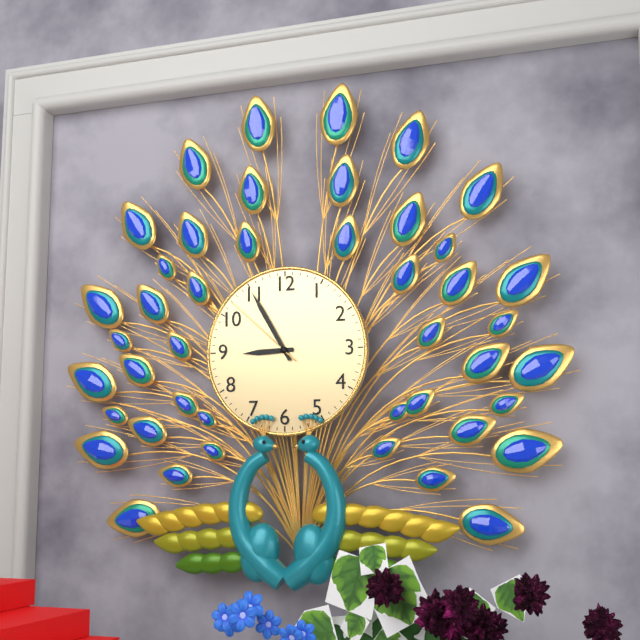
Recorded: {"hour": 8, "minute": 55, "second": 52}
